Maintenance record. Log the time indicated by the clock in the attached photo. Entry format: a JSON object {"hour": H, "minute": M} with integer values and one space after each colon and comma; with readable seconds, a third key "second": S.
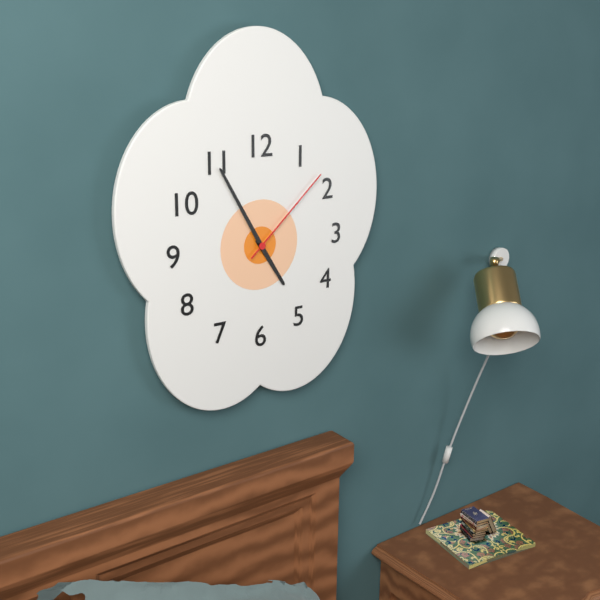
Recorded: {"hour": 4, "minute": 55, "second": 8}
